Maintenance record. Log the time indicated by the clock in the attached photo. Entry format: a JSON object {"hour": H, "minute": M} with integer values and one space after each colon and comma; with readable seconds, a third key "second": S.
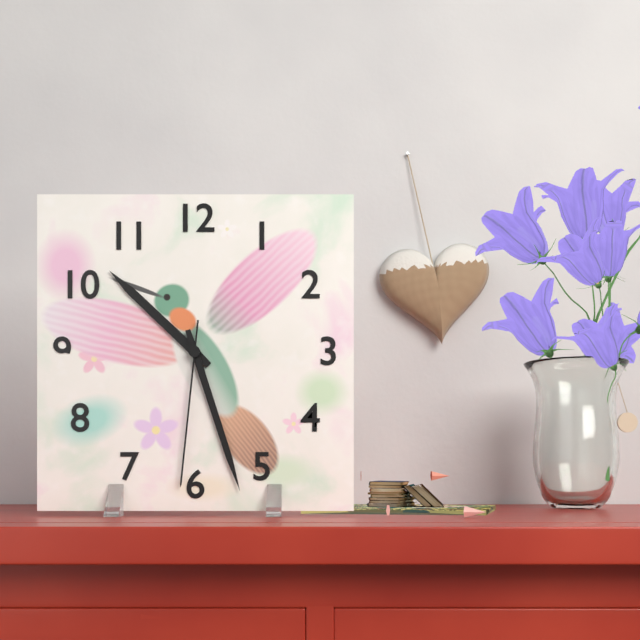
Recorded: {"hour": 10, "minute": 27, "second": 31}
